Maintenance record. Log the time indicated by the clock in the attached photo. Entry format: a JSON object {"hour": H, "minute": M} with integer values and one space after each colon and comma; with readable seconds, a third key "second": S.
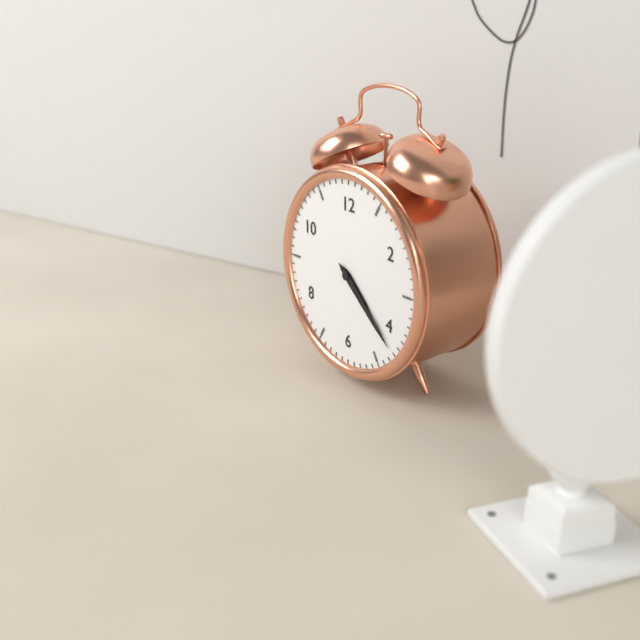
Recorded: {"hour": 4, "minute": 22}
